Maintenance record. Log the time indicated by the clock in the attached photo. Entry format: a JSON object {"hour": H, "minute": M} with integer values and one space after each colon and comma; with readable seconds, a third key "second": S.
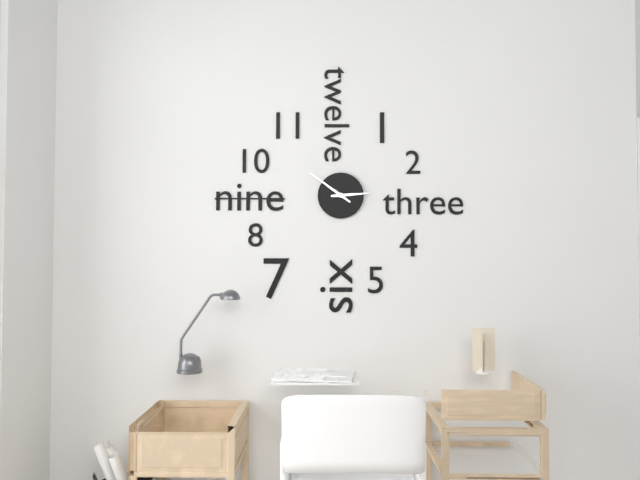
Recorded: {"hour": 2, "minute": 51}
